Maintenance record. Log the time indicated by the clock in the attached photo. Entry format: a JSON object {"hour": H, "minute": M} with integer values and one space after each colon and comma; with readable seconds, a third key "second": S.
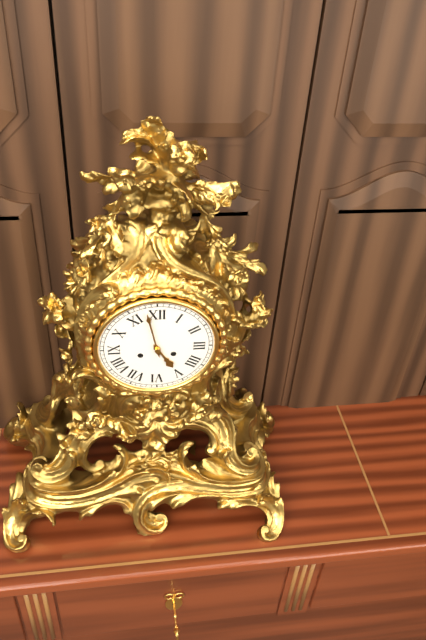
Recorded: {"hour": 4, "minute": 58}
